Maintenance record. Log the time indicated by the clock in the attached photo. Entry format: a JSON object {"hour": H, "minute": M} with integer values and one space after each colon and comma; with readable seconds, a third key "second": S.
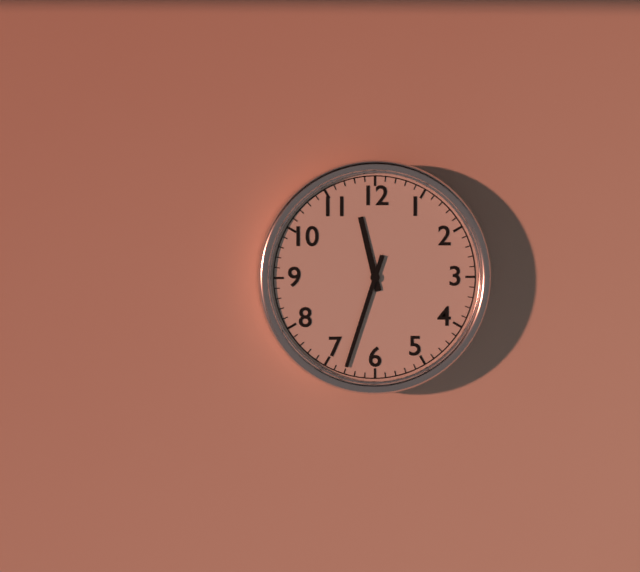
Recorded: {"hour": 11, "minute": 33}
